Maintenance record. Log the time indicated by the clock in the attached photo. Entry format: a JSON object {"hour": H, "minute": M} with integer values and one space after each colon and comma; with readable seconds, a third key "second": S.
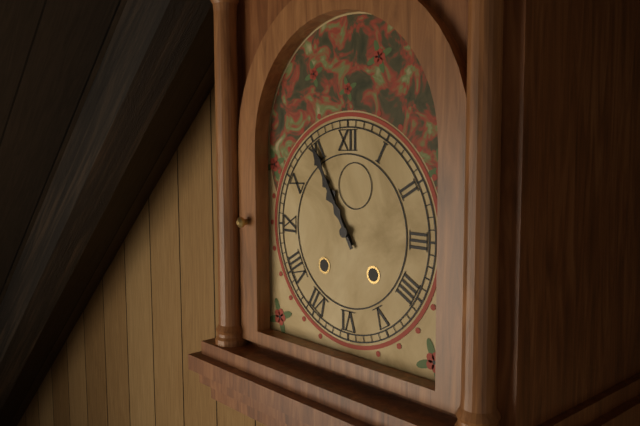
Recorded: {"hour": 10, "minute": 55}
